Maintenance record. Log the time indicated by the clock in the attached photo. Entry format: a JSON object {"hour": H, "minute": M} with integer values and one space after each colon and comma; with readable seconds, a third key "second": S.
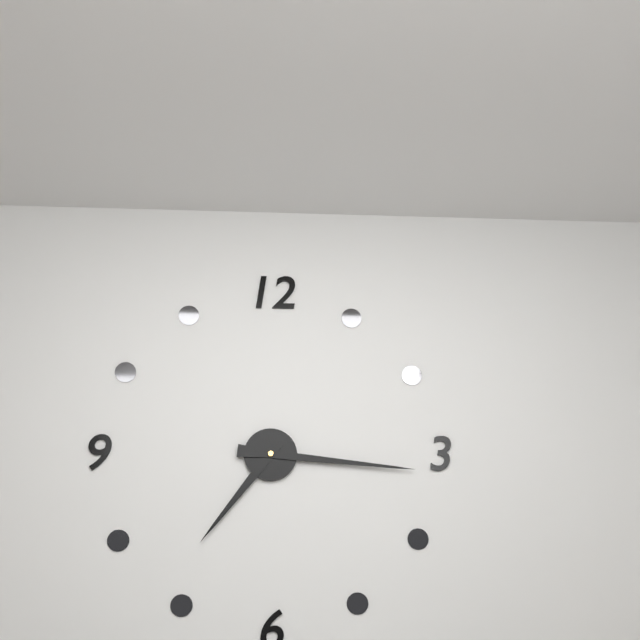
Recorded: {"hour": 7, "minute": 16}
